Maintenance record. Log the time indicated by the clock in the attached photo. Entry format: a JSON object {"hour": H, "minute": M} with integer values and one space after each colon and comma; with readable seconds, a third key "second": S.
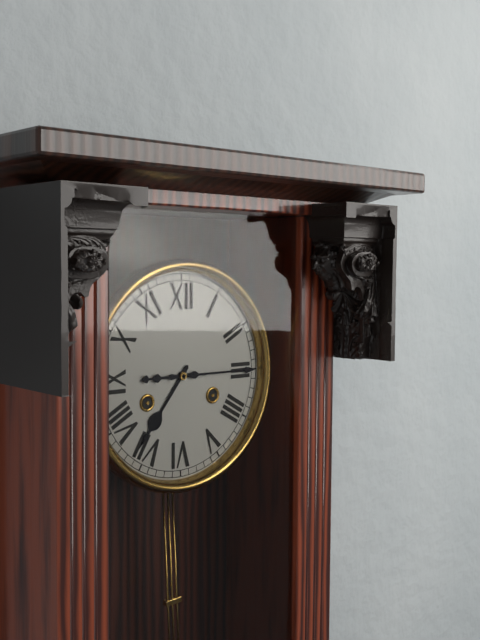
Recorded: {"hour": 7, "minute": 15}
